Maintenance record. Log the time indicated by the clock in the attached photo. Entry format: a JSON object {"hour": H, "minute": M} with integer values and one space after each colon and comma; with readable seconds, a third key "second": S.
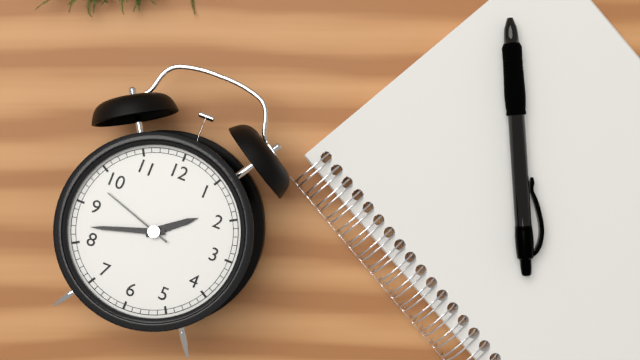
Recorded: {"hour": 1, "minute": 42, "second": 48}
